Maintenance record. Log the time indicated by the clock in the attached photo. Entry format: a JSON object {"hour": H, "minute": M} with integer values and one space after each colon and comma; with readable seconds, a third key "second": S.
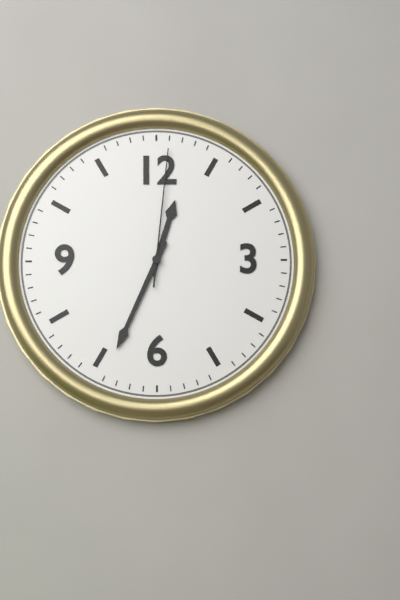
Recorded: {"hour": 12, "minute": 34, "second": 1}
